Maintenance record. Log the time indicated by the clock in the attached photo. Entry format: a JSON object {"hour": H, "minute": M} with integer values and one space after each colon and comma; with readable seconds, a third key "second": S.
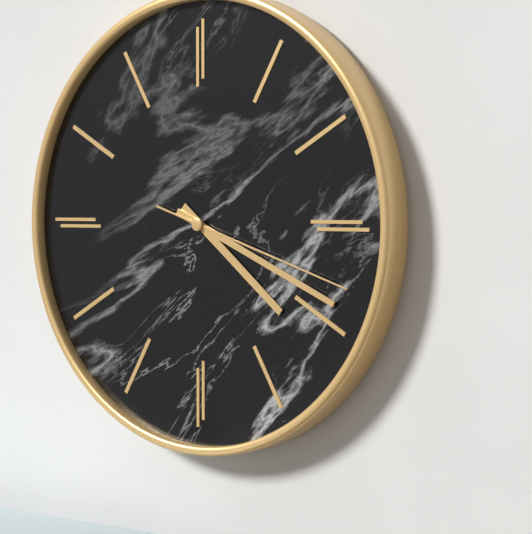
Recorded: {"hour": 4, "minute": 19, "second": 18}
